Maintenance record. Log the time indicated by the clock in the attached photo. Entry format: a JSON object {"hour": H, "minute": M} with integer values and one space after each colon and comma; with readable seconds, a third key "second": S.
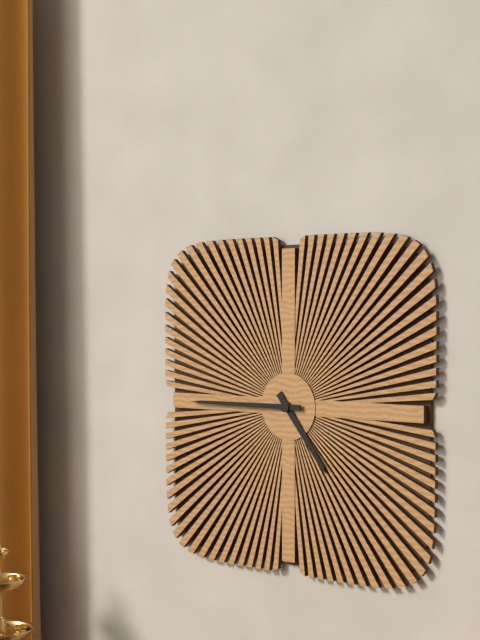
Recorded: {"hour": 4, "minute": 45}
